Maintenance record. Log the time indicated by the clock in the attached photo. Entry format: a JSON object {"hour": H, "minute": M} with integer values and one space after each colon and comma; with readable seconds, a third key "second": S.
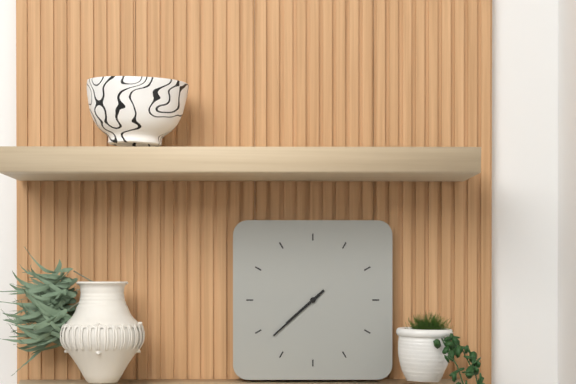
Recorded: {"hour": 7, "minute": 38}
